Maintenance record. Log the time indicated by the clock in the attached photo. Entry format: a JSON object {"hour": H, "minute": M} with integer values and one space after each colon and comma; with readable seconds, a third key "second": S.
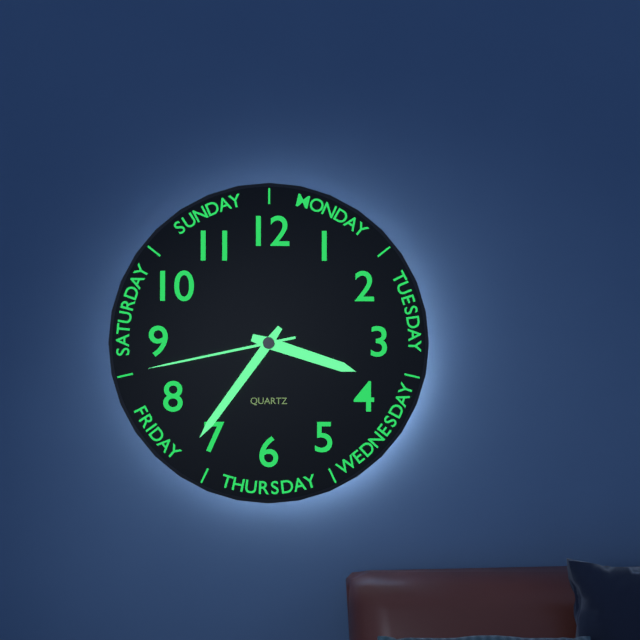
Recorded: {"hour": 3, "minute": 36, "second": 43}
